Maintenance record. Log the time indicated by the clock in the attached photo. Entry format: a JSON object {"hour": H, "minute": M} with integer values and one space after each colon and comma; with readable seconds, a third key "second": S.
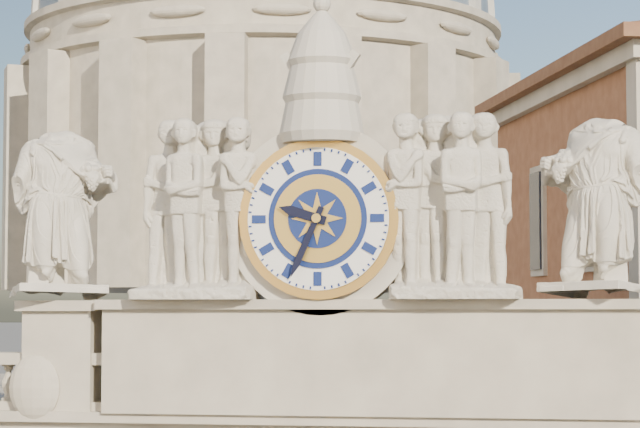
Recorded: {"hour": 9, "minute": 34}
